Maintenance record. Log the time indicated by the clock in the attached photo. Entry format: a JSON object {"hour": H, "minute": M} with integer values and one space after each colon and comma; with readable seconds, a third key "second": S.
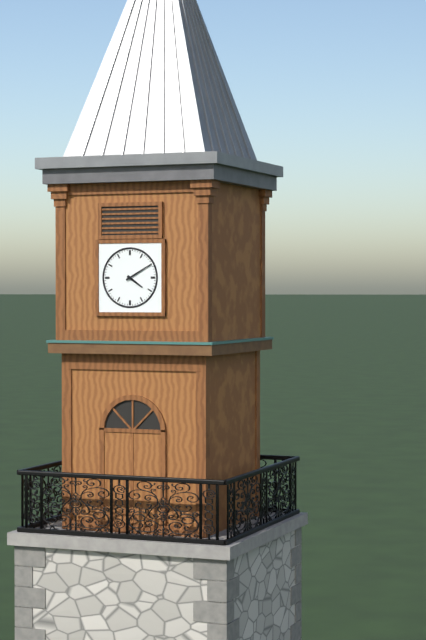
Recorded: {"hour": 4, "minute": 10}
